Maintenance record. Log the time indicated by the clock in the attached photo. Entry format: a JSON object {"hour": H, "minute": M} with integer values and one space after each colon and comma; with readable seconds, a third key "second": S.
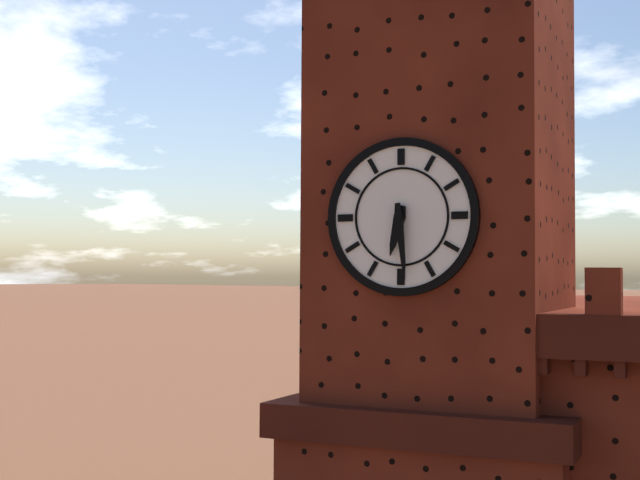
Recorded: {"hour": 6, "minute": 29}
